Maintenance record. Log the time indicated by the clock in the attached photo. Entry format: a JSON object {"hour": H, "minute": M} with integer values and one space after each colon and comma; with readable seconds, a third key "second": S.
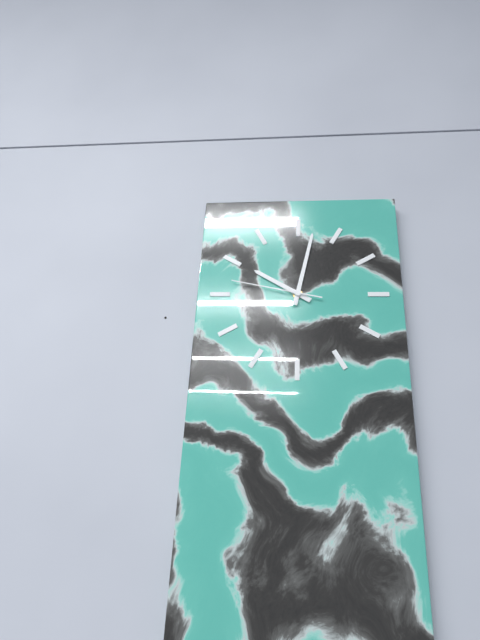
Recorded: {"hour": 10, "minute": 2, "second": 47}
